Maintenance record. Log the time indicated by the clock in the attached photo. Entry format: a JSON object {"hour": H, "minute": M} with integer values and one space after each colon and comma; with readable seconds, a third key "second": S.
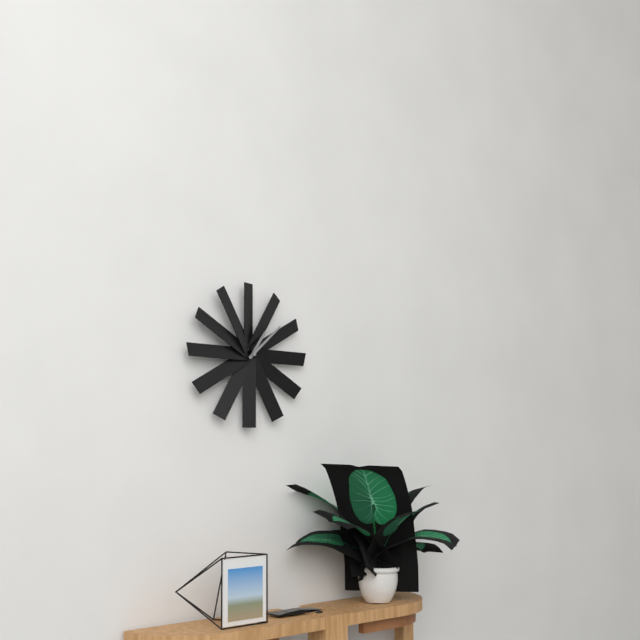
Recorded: {"hour": 1, "minute": 8}
